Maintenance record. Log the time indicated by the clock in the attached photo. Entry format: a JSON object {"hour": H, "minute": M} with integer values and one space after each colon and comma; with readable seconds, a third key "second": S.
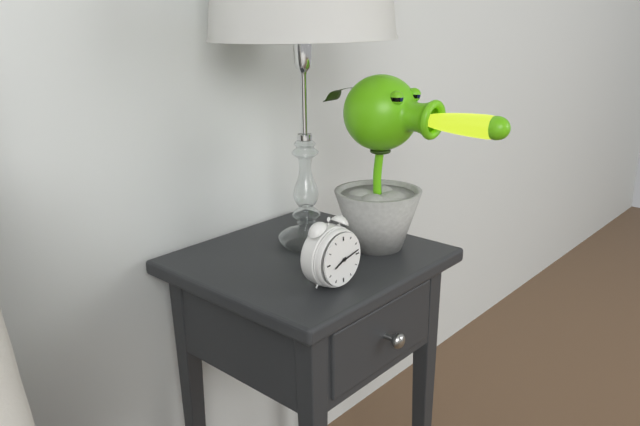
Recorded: {"hour": 8, "minute": 13}
